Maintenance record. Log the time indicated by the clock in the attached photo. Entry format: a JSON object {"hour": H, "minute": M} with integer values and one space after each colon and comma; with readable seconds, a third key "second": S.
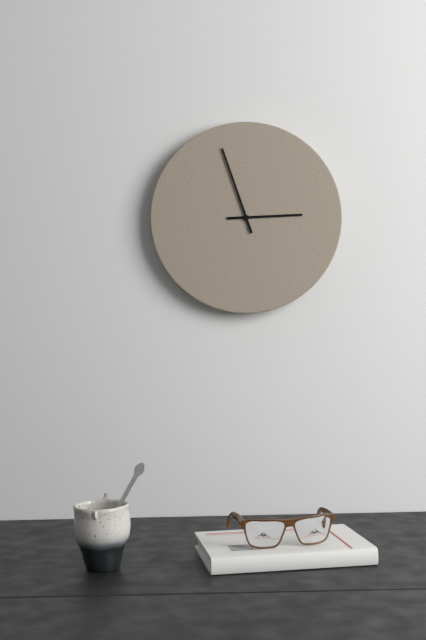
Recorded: {"hour": 2, "minute": 57}
